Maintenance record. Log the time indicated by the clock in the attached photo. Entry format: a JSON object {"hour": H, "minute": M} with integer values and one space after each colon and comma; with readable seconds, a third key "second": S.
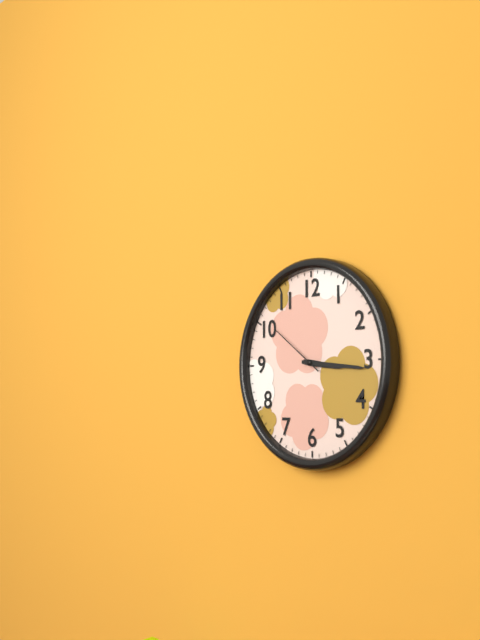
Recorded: {"hour": 3, "minute": 16, "second": 51}
